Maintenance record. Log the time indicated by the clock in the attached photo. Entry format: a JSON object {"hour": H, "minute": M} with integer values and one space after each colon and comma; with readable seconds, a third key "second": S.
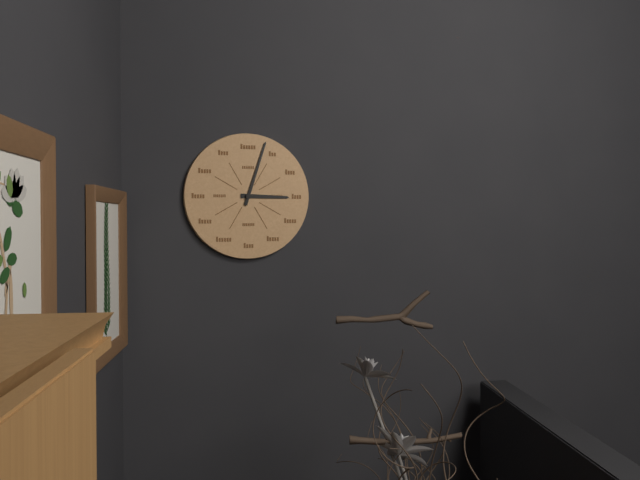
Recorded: {"hour": 3, "minute": 3}
